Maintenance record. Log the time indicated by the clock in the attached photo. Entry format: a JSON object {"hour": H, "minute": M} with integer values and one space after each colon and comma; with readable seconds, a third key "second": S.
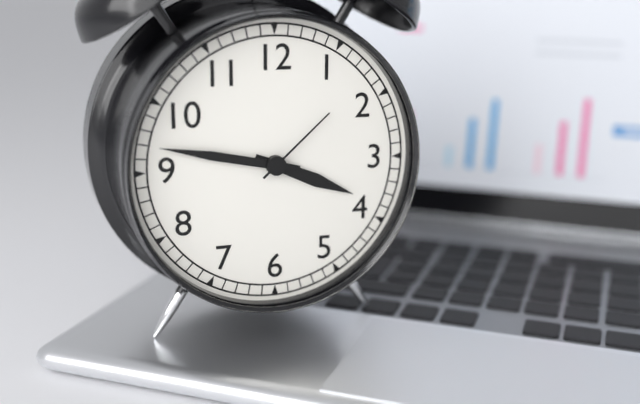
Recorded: {"hour": 3, "minute": 47, "second": 8}
